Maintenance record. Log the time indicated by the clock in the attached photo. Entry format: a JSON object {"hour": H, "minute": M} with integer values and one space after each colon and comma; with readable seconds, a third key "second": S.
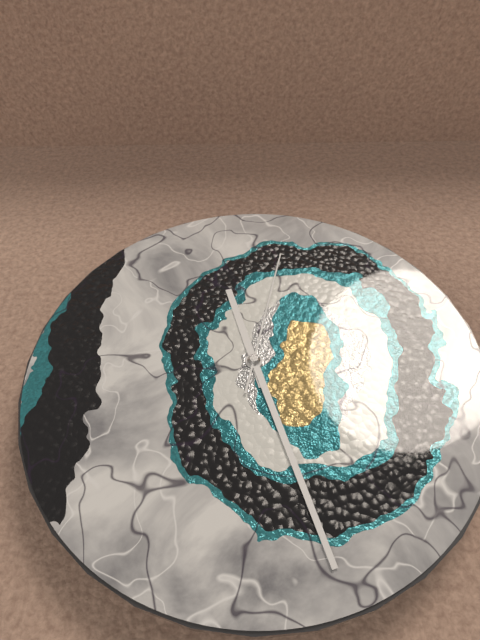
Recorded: {"hour": 11, "minute": 27, "second": 2}
